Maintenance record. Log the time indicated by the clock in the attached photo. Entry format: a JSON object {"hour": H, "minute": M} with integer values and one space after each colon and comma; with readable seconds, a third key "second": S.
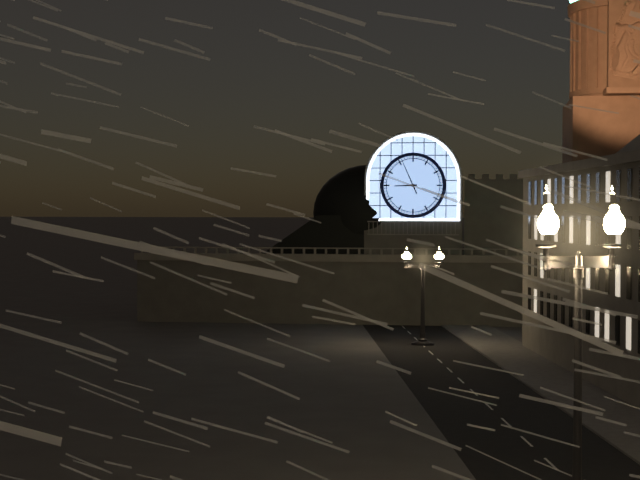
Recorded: {"hour": 8, "minute": 56}
